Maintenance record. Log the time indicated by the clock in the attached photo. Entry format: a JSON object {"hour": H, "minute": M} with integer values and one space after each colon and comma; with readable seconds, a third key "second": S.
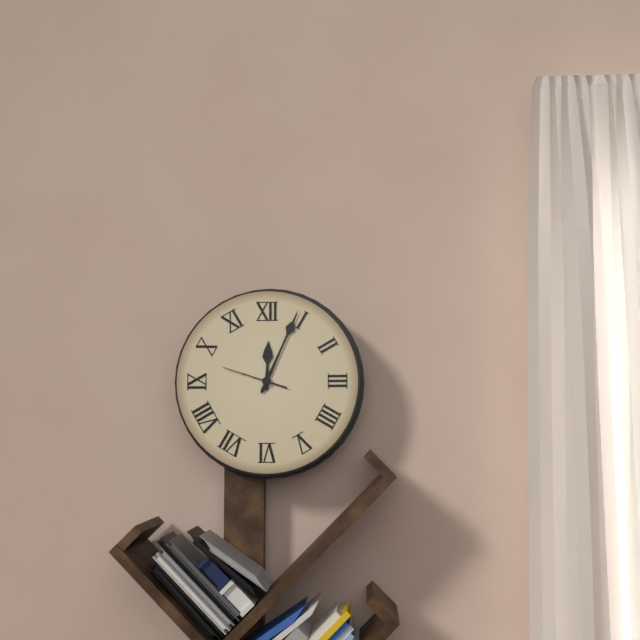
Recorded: {"hour": 12, "minute": 4, "second": 48}
